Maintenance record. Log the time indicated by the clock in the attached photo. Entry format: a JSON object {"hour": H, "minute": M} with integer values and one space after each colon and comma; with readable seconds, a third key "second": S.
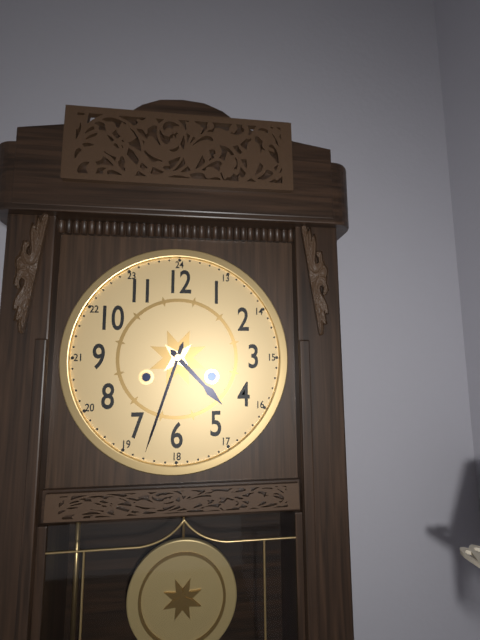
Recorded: {"hour": 4, "minute": 33}
